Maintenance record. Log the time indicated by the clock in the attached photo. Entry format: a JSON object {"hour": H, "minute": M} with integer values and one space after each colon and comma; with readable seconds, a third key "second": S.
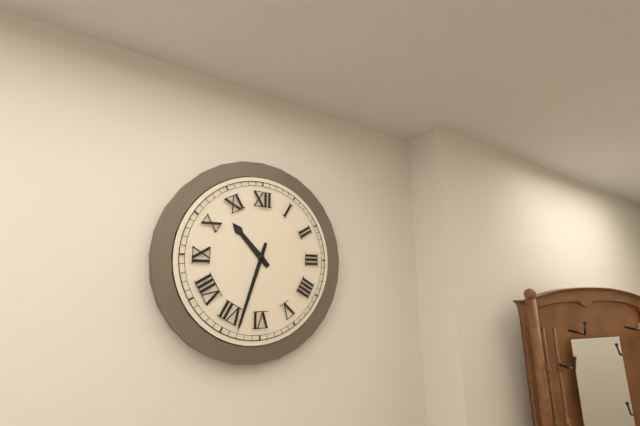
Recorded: {"hour": 10, "minute": 33}
